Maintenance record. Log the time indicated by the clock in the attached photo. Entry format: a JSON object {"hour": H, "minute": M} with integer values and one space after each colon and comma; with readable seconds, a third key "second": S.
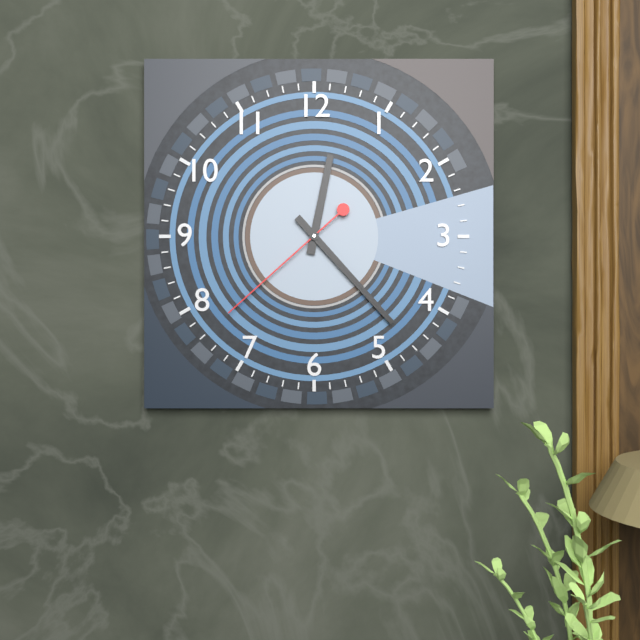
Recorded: {"hour": 12, "minute": 23, "second": 38}
